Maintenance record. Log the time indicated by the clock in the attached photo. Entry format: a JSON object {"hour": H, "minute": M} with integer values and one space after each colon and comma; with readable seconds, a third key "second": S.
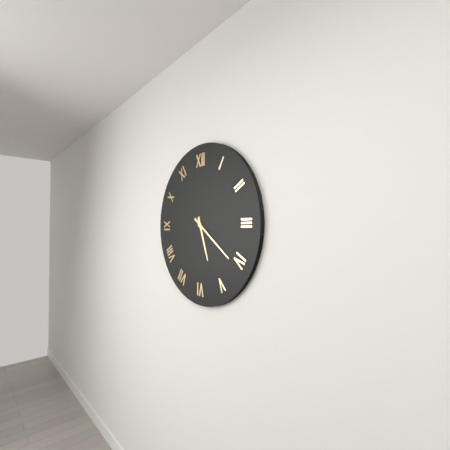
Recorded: {"hour": 5, "minute": 21}
